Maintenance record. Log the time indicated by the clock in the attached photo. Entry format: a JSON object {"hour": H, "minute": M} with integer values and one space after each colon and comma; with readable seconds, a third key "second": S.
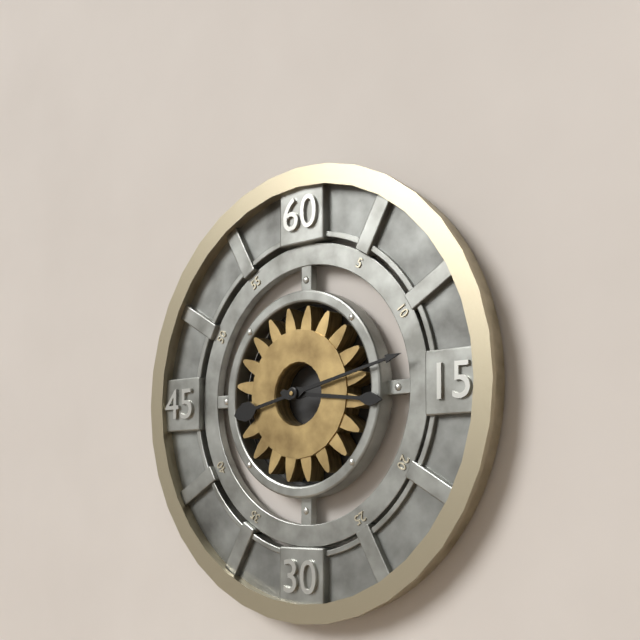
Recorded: {"hour": 3, "minute": 13}
